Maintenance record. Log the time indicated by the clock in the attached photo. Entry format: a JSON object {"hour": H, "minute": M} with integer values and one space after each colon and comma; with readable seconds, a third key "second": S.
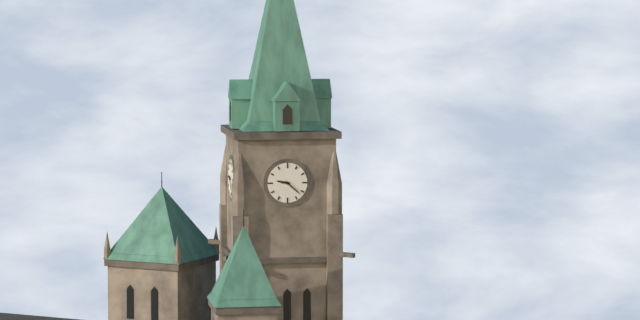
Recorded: {"hour": 9, "minute": 22}
